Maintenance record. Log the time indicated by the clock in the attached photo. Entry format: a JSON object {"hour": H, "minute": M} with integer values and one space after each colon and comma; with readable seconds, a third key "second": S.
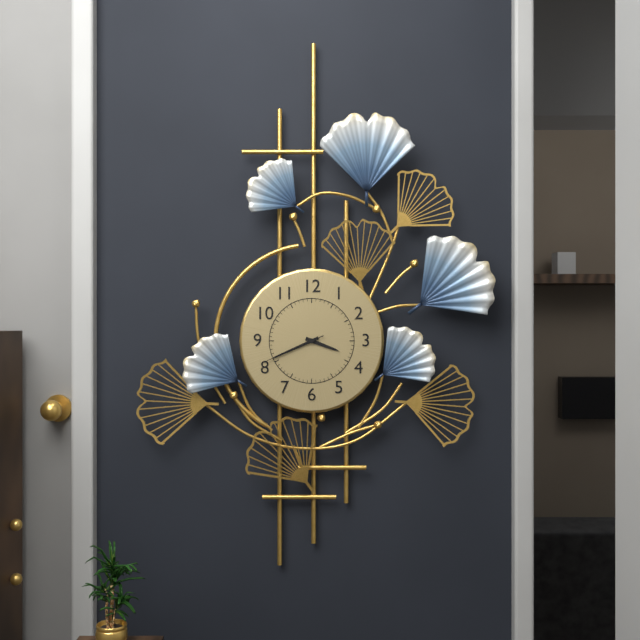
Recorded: {"hour": 3, "minute": 41, "second": 41}
